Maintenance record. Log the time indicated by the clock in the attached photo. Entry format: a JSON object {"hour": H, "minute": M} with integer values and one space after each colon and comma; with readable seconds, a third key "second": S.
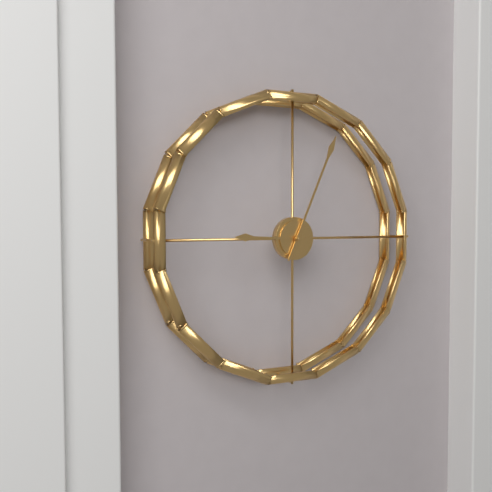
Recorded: {"hour": 9, "minute": 4}
